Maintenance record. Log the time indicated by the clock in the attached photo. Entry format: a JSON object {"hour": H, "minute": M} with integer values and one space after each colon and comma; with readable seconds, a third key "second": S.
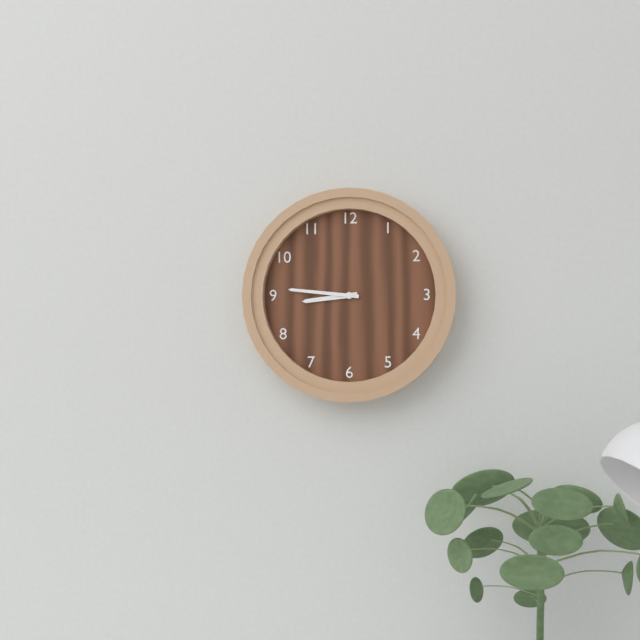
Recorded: {"hour": 8, "minute": 46}
